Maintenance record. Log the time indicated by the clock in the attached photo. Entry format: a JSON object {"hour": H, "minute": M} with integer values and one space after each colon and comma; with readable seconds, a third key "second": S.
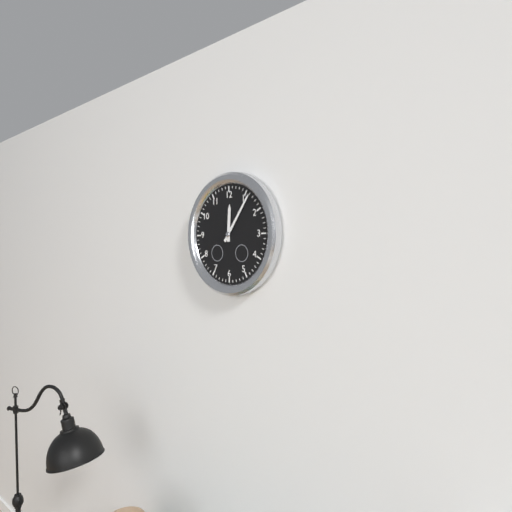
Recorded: {"hour": 12, "minute": 6}
